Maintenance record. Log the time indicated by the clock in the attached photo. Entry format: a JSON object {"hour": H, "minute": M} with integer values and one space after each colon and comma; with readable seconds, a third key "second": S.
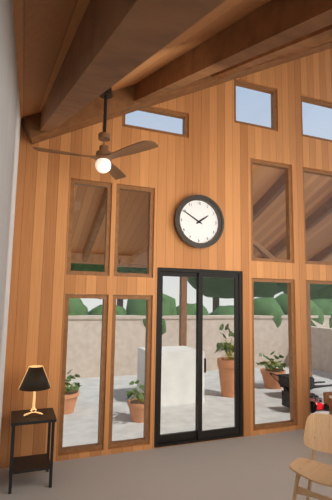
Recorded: {"hour": 1, "minute": 50}
